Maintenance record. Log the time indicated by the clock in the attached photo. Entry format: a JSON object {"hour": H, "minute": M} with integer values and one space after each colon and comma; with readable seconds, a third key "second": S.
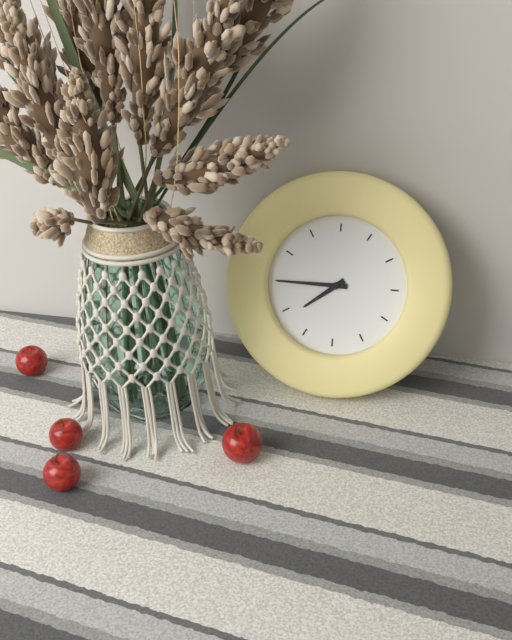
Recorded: {"hour": 7, "minute": 45}
